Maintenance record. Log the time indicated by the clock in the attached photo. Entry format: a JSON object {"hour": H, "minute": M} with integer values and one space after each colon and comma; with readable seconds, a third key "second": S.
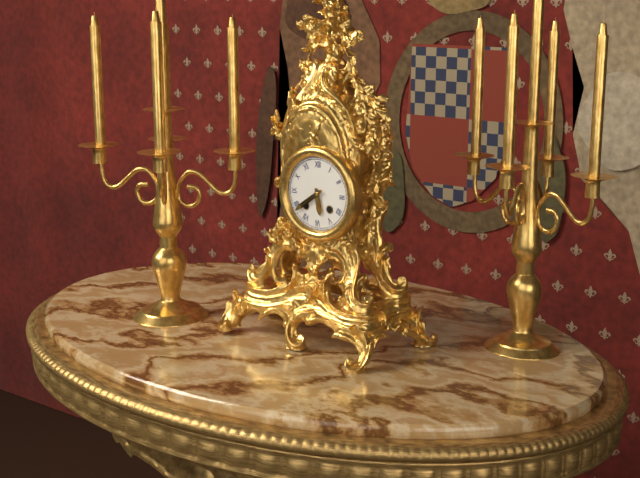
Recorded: {"hour": 5, "minute": 39}
